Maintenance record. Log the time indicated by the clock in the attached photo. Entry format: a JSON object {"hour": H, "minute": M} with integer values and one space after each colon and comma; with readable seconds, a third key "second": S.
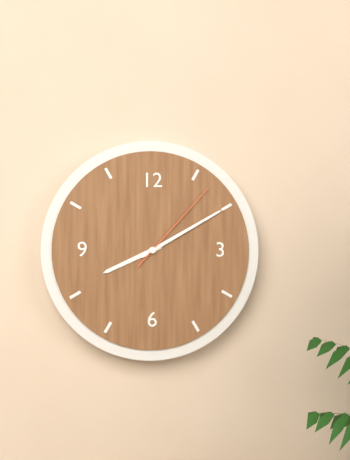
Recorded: {"hour": 8, "minute": 10, "second": 7}
